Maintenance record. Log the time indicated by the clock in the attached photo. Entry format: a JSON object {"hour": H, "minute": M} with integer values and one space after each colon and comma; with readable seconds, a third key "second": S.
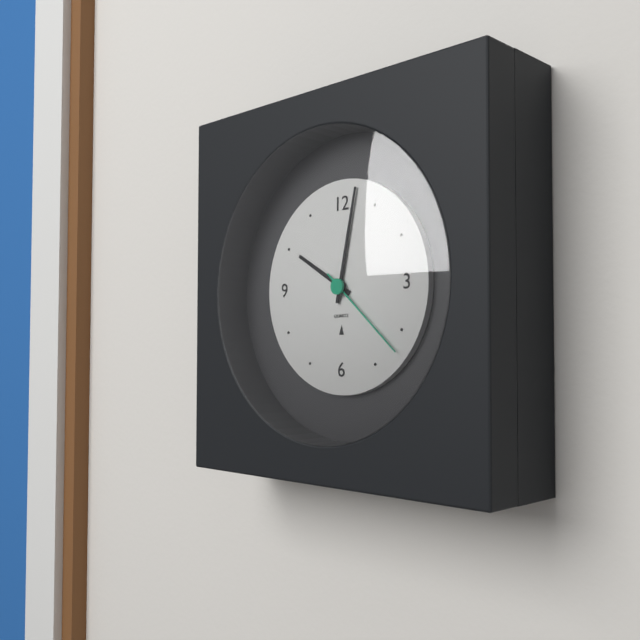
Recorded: {"hour": 10, "minute": 2, "second": 22}
